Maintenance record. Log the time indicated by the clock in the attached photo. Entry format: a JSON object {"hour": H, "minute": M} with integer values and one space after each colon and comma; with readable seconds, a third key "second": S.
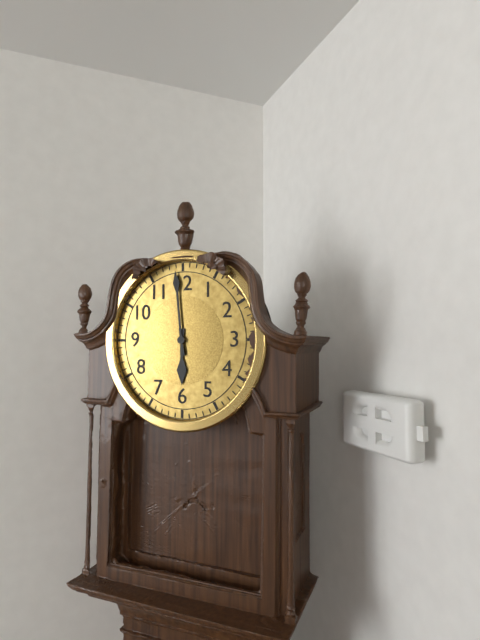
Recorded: {"hour": 5, "minute": 59}
